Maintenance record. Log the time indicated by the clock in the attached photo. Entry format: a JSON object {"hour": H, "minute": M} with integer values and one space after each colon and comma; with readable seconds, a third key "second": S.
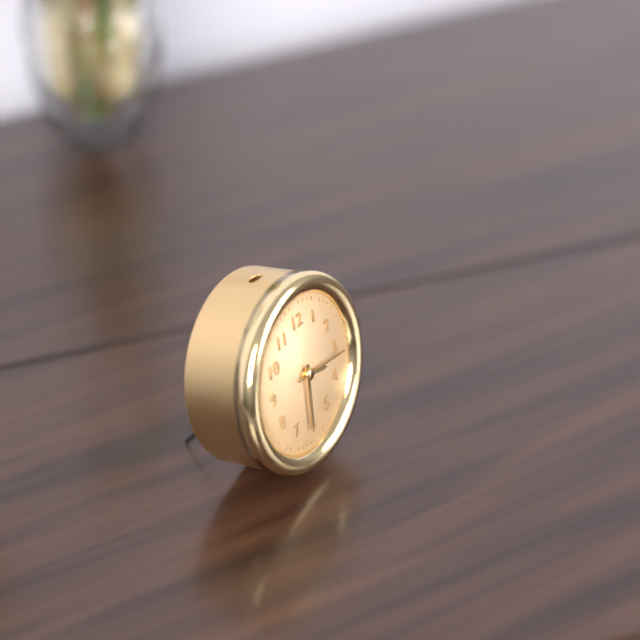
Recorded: {"hour": 3, "minute": 31, "second": 16}
